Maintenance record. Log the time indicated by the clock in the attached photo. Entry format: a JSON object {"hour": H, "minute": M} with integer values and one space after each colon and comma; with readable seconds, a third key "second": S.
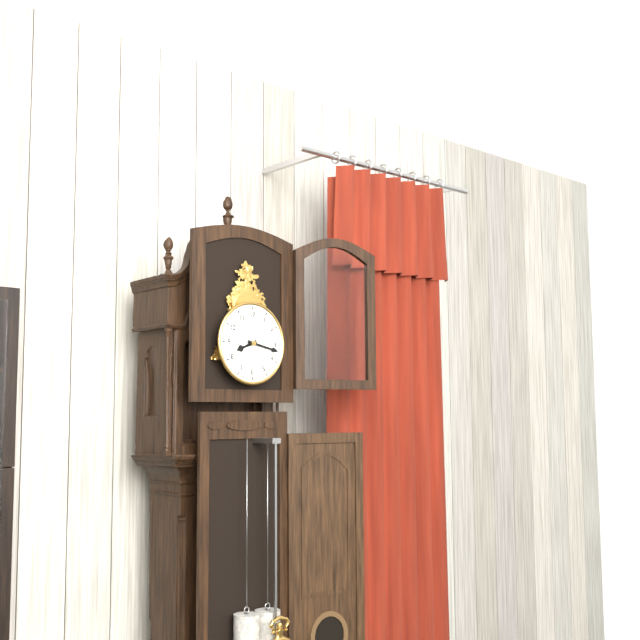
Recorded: {"hour": 8, "minute": 17}
